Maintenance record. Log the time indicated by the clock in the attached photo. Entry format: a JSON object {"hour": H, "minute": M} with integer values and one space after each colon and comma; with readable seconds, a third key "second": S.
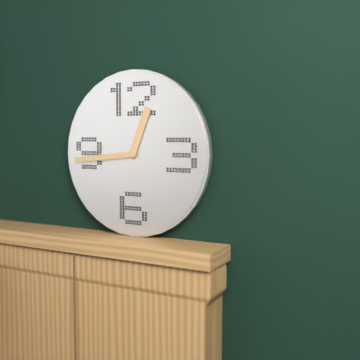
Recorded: {"hour": 12, "minute": 44}
